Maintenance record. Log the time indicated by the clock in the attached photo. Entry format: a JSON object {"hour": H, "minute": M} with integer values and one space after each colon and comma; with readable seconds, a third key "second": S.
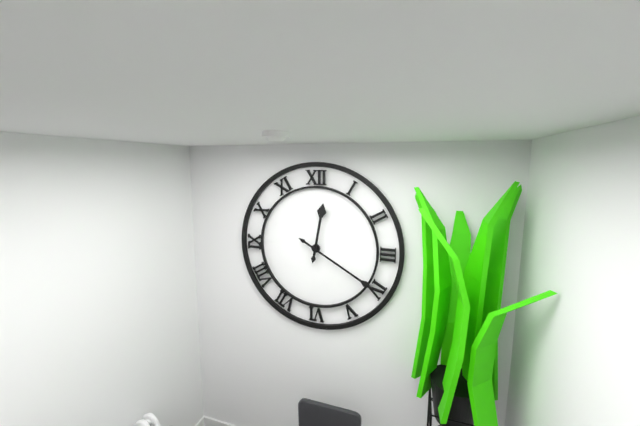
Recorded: {"hour": 12, "minute": 20}
